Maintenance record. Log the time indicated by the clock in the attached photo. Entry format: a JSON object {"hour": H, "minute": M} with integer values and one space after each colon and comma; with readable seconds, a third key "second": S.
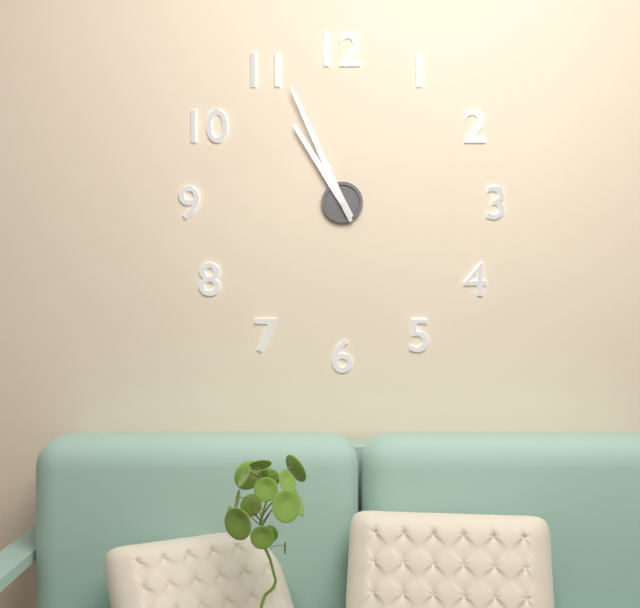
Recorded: {"hour": 10, "minute": 56}
